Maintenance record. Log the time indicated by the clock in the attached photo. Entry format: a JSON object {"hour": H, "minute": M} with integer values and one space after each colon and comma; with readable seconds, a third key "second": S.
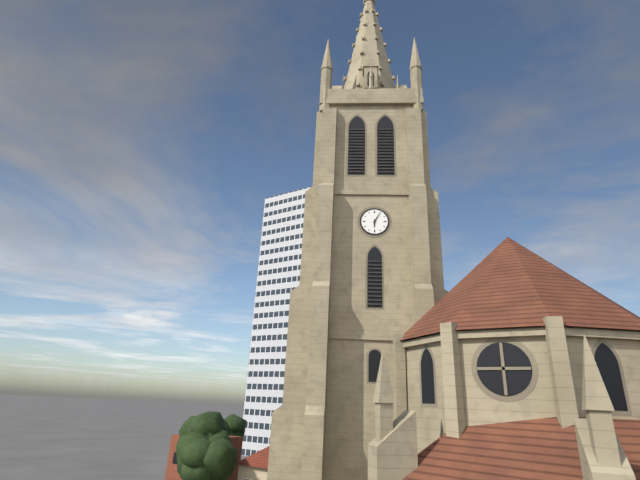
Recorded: {"hour": 6, "minute": 5}
